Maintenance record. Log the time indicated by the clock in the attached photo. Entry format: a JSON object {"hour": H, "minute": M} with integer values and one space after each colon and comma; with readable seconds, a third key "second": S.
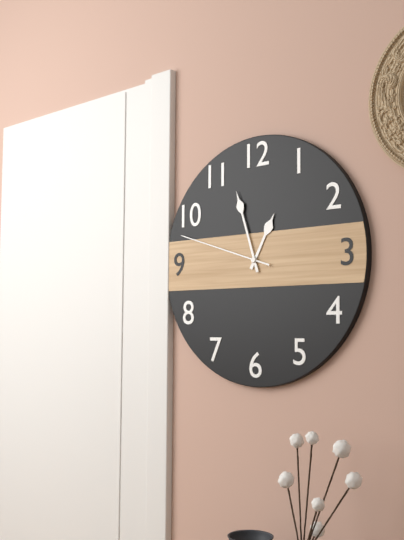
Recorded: {"hour": 12, "minute": 57, "second": 48}
